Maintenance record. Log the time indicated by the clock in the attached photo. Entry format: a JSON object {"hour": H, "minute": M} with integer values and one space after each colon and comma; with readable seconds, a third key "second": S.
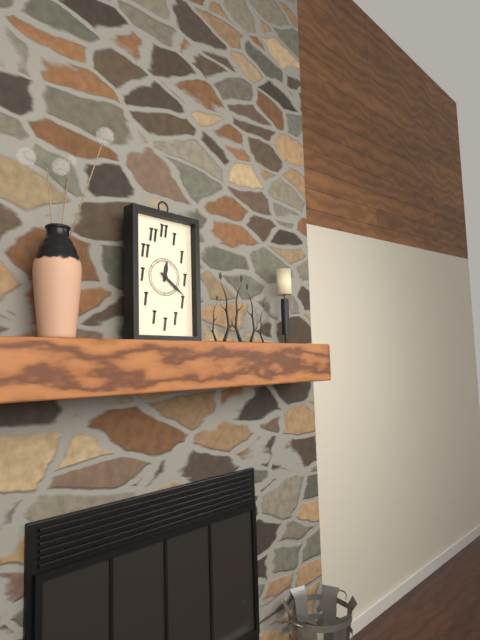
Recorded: {"hour": 12, "minute": 21}
